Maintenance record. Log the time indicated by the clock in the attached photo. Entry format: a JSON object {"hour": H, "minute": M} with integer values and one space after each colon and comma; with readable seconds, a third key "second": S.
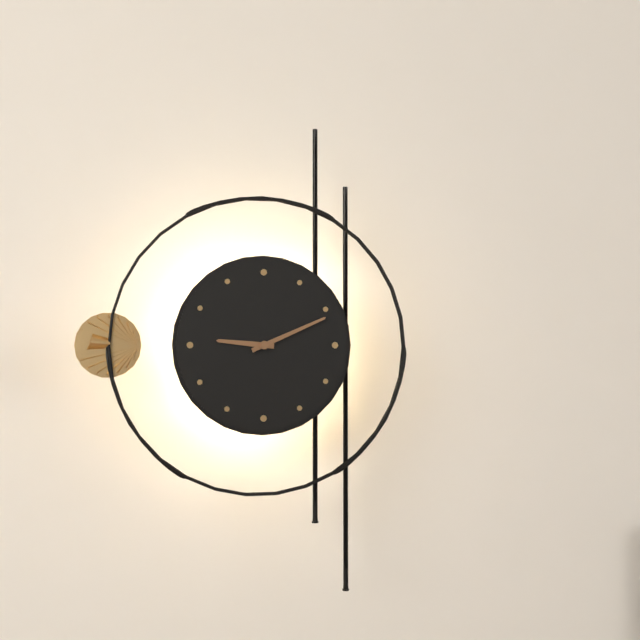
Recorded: {"hour": 9, "minute": 11}
